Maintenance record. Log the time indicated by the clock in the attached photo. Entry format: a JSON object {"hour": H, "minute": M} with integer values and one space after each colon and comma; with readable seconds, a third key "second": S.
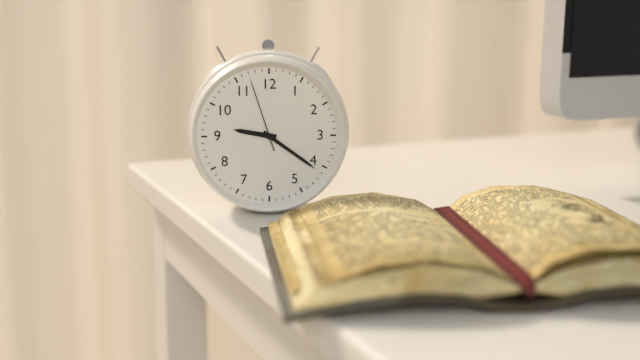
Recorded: {"hour": 9, "minute": 21, "second": 57}
